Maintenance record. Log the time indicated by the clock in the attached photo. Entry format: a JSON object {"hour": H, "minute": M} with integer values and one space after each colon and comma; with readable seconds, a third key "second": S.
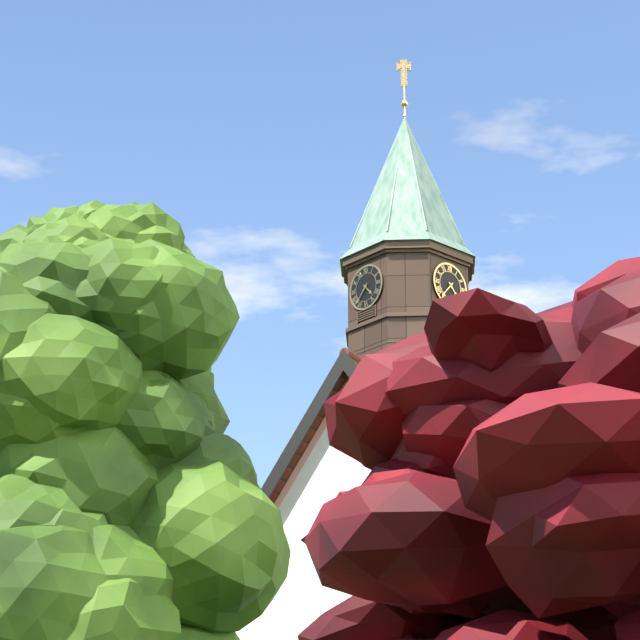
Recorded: {"hour": 4, "minute": 37}
